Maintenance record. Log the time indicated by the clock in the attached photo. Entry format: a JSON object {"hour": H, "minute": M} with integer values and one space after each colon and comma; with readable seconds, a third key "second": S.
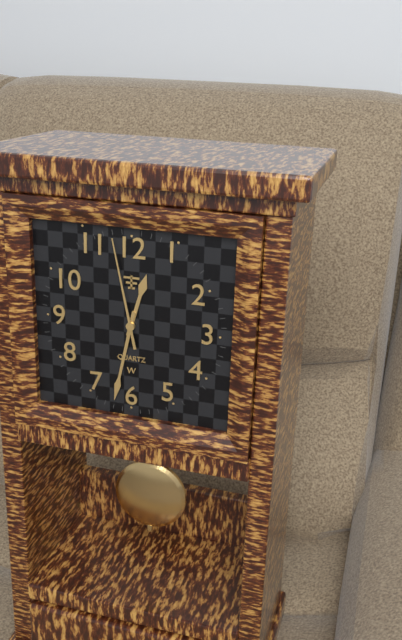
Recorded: {"hour": 12, "minute": 32, "second": 58}
